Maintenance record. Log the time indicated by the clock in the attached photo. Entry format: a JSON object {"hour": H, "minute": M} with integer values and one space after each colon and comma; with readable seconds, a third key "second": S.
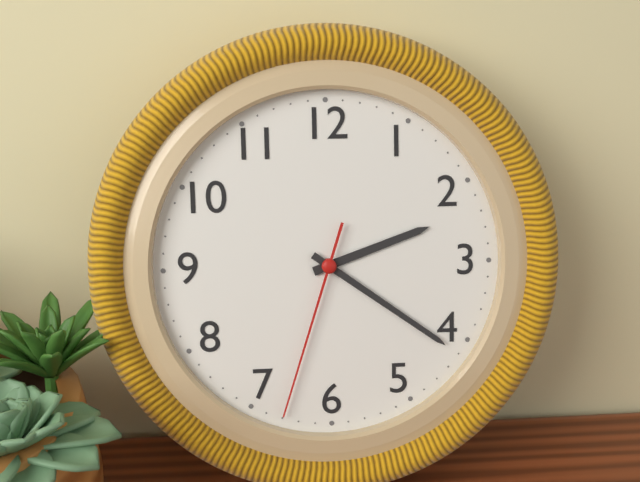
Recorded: {"hour": 2, "minute": 21, "second": 33}
